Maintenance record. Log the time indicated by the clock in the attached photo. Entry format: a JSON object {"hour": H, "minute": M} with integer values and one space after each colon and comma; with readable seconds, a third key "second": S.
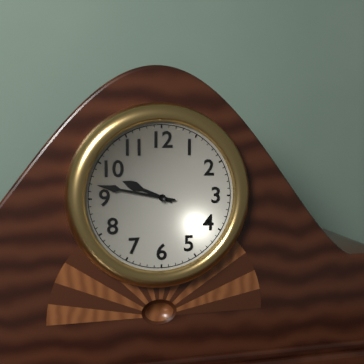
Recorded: {"hour": 9, "minute": 47}
